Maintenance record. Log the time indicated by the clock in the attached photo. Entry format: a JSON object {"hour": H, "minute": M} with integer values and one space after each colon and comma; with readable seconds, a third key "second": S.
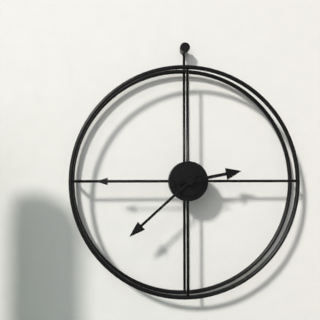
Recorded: {"hour": 2, "minute": 38, "second": 45}
